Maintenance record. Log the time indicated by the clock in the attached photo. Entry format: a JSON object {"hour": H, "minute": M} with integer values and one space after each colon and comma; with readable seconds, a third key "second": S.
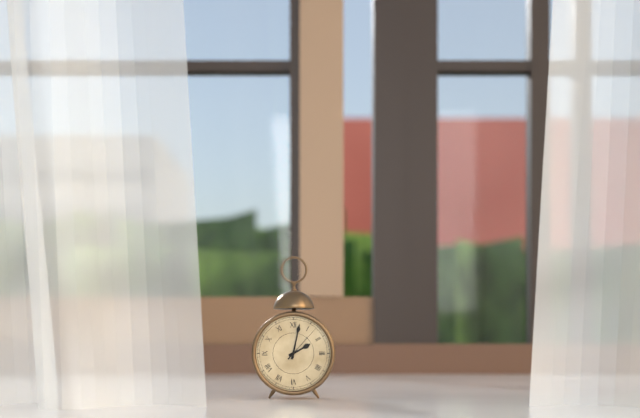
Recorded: {"hour": 2, "minute": 2}
